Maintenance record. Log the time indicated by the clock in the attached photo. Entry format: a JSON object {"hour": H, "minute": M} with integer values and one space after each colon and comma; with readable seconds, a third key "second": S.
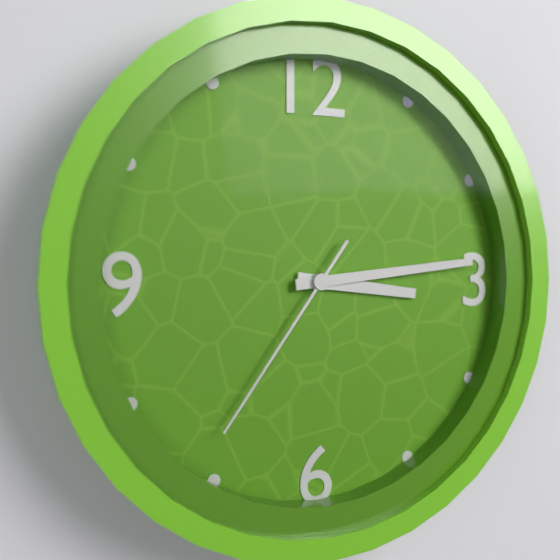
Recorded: {"hour": 3, "minute": 14, "second": 36}
